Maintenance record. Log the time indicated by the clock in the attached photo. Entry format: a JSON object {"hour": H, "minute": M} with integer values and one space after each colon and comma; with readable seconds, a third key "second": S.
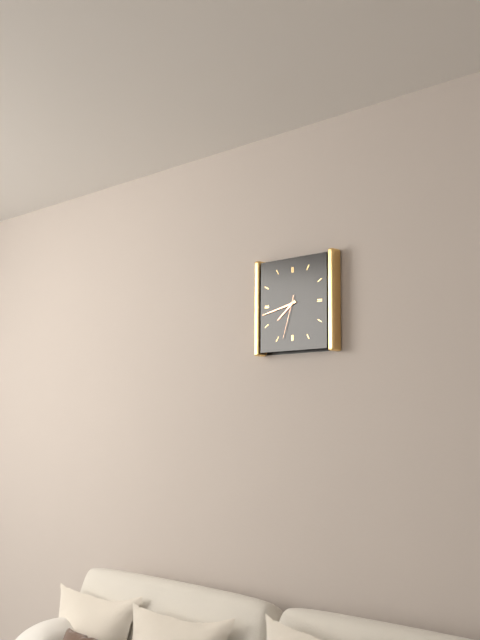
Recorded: {"hour": 7, "minute": 43}
